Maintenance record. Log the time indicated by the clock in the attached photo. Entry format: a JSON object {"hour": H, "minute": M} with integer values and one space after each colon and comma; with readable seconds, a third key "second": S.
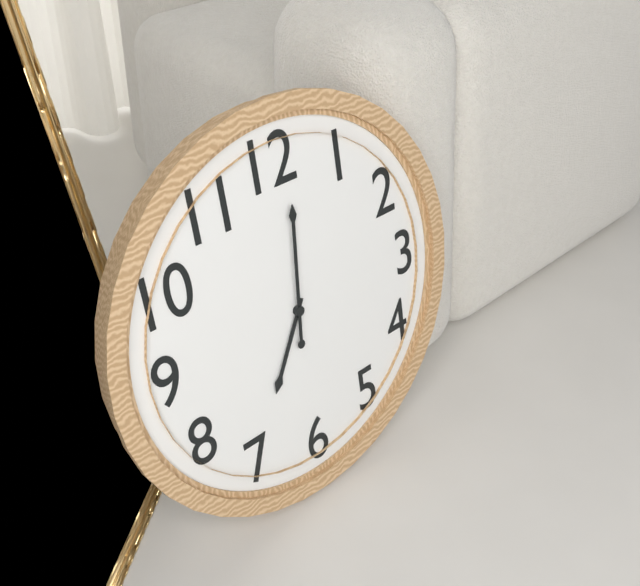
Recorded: {"hour": 7, "minute": 1}
